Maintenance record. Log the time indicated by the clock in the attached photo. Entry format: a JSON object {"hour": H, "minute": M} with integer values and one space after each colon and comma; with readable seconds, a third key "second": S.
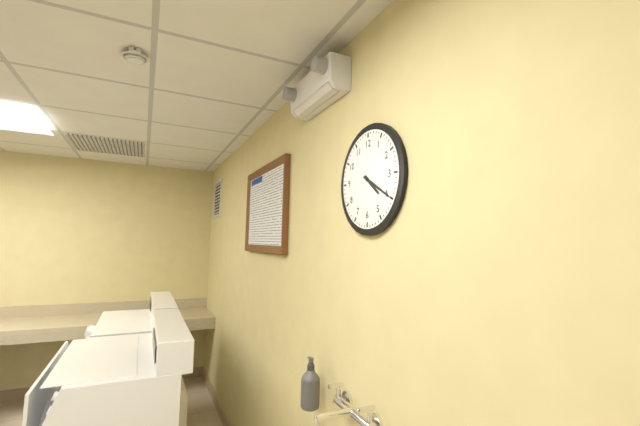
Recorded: {"hour": 4, "minute": 20}
